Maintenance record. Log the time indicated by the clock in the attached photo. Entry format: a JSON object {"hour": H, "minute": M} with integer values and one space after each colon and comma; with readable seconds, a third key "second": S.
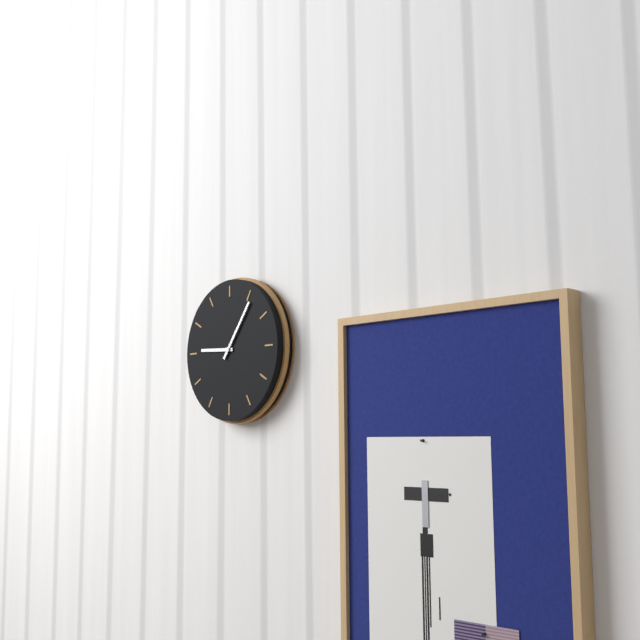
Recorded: {"hour": 9, "minute": 6}
